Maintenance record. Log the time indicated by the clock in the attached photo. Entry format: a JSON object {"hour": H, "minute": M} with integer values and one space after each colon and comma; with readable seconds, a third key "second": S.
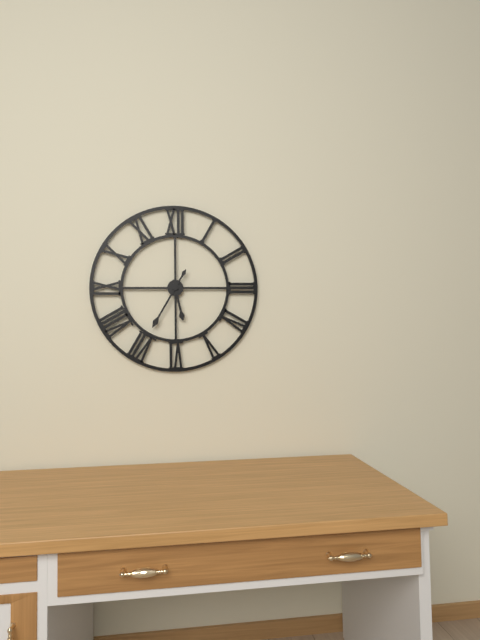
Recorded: {"hour": 5, "minute": 35}
